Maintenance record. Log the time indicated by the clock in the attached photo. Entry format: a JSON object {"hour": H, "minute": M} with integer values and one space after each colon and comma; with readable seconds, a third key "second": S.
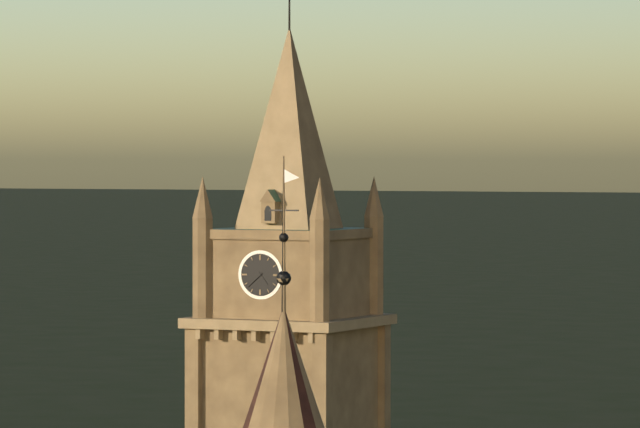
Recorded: {"hour": 4, "minute": 38}
